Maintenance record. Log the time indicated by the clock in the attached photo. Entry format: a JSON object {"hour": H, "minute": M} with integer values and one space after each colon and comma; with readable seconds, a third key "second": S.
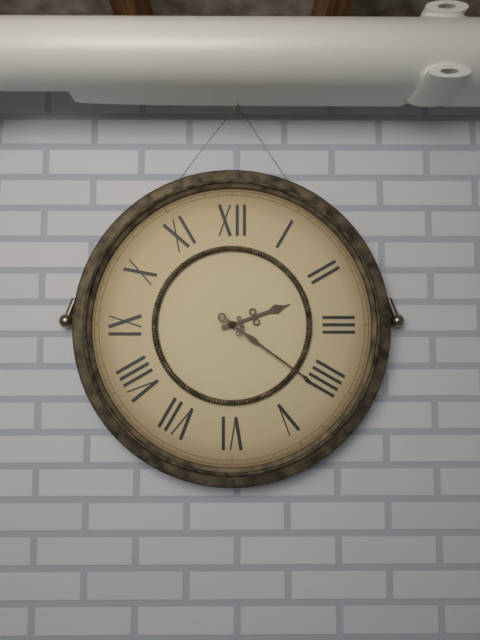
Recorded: {"hour": 2, "minute": 21}
